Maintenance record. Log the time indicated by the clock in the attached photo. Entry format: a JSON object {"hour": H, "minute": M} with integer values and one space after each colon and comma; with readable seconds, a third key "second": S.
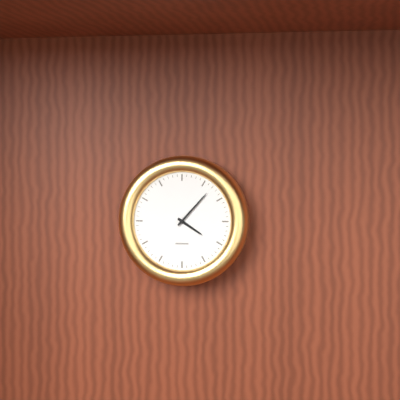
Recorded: {"hour": 4, "minute": 7}
